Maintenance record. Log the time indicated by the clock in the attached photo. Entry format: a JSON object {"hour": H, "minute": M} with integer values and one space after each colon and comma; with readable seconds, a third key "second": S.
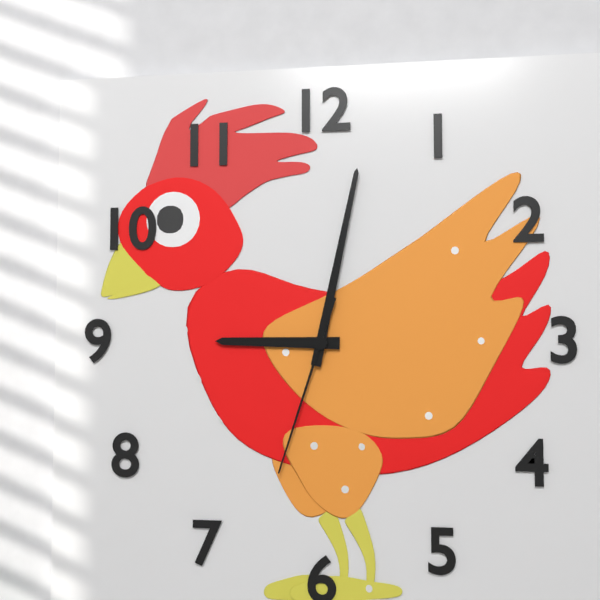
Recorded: {"hour": 9, "minute": 2, "second": 33}
